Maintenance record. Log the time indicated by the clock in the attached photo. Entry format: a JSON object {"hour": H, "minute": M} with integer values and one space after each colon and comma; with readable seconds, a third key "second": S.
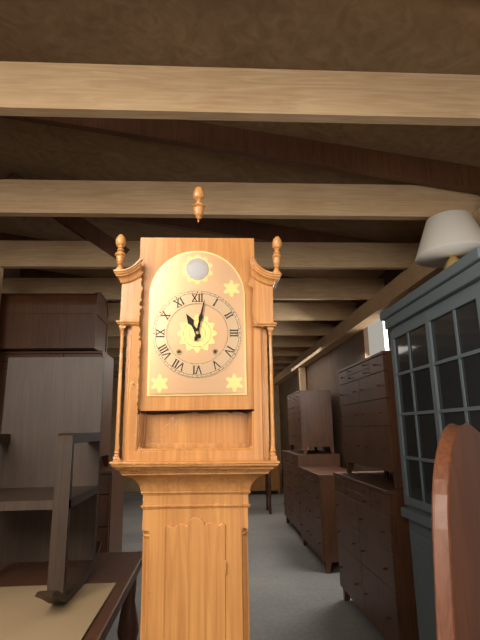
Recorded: {"hour": 11, "minute": 2}
